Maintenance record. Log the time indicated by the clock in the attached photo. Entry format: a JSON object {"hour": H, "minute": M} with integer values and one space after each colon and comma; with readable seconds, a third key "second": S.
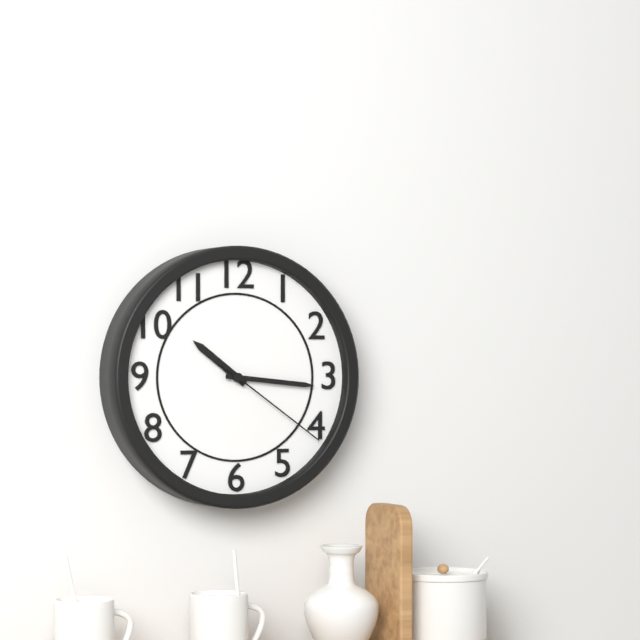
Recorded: {"hour": 10, "minute": 16, "second": 21}
